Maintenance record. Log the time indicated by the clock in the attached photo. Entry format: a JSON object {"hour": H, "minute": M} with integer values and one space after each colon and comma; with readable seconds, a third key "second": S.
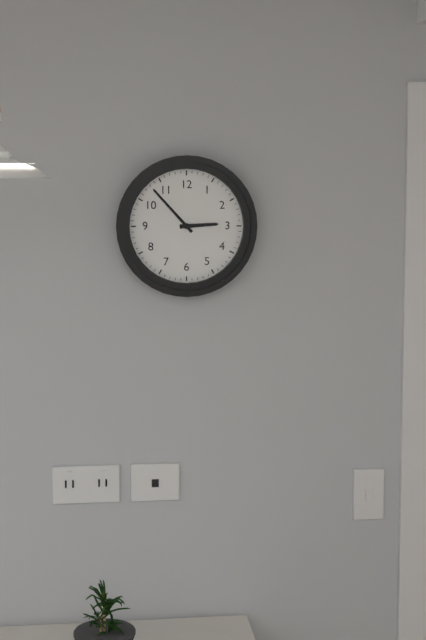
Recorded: {"hour": 2, "minute": 53}
